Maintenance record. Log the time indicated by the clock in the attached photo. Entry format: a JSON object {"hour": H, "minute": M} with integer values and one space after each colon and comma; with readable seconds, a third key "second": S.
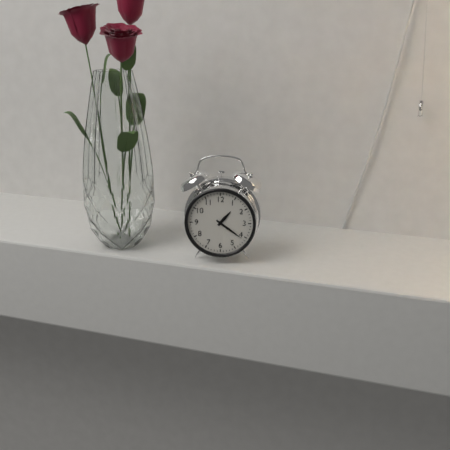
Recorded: {"hour": 1, "minute": 21}
